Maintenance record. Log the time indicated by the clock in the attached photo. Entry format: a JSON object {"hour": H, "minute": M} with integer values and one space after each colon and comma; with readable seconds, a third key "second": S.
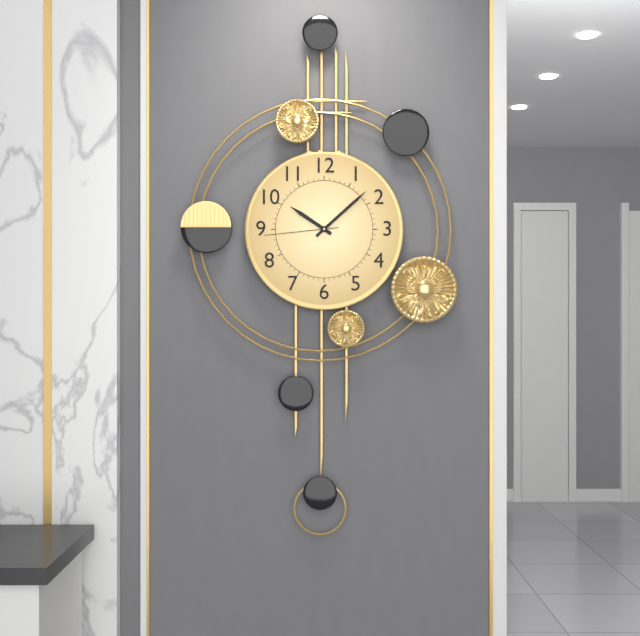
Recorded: {"hour": 10, "minute": 8, "second": 44}
